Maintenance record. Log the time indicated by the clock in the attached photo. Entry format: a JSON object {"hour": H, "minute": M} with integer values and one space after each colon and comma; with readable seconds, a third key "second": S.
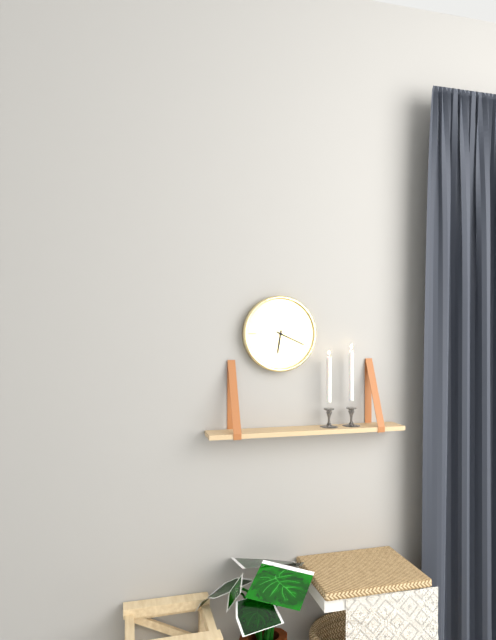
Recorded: {"hour": 6, "minute": 19}
